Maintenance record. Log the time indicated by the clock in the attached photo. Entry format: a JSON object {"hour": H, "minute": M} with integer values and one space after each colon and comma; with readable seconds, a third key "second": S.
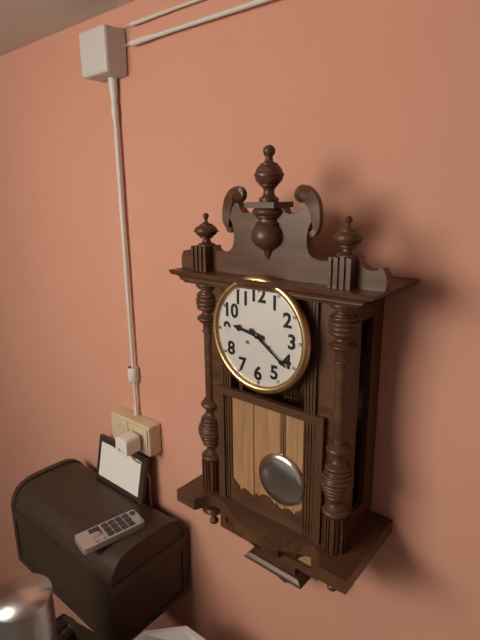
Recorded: {"hour": 9, "minute": 21}
